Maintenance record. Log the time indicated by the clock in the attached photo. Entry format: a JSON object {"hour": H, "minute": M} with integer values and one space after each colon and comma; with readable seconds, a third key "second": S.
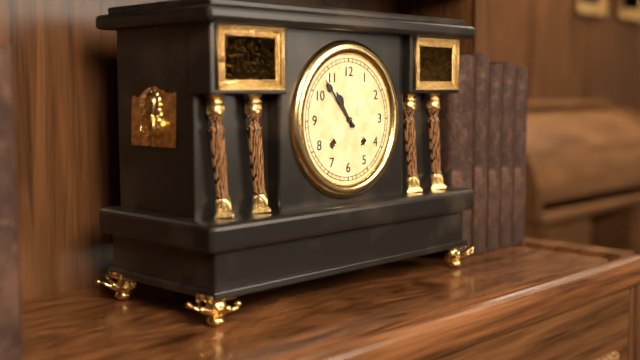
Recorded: {"hour": 10, "minute": 53}
